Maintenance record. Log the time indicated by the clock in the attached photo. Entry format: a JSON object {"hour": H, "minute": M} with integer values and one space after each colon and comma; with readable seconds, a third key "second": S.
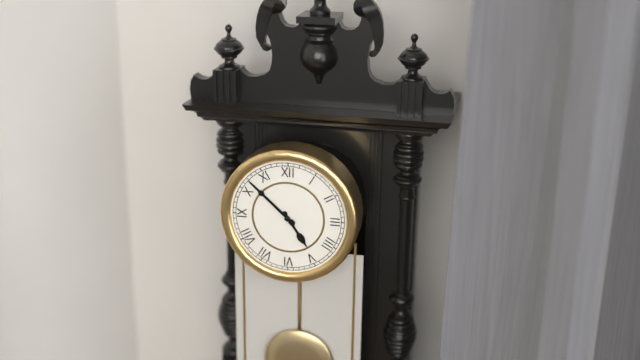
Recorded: {"hour": 4, "minute": 52}
